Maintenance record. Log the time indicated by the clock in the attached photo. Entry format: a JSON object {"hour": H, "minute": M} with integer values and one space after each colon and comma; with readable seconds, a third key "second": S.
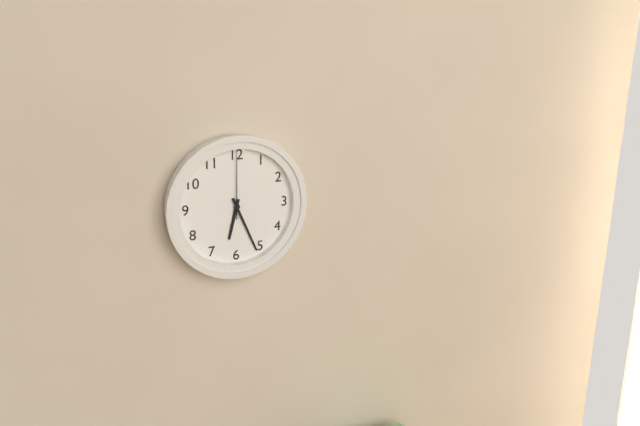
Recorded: {"hour": 6, "minute": 26, "second": 0}
